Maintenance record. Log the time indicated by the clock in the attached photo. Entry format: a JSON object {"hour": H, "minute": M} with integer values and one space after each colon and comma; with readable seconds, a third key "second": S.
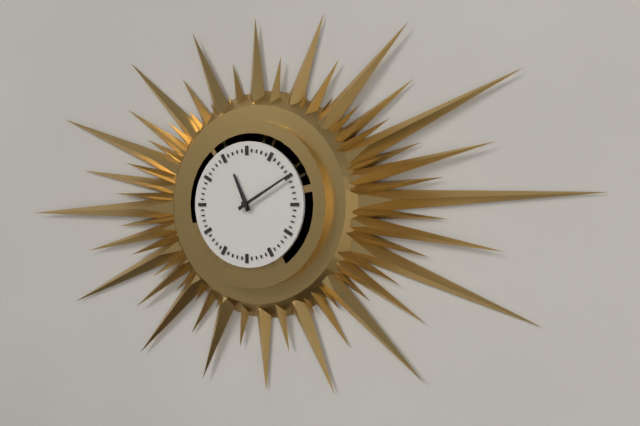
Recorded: {"hour": 11, "minute": 10}
